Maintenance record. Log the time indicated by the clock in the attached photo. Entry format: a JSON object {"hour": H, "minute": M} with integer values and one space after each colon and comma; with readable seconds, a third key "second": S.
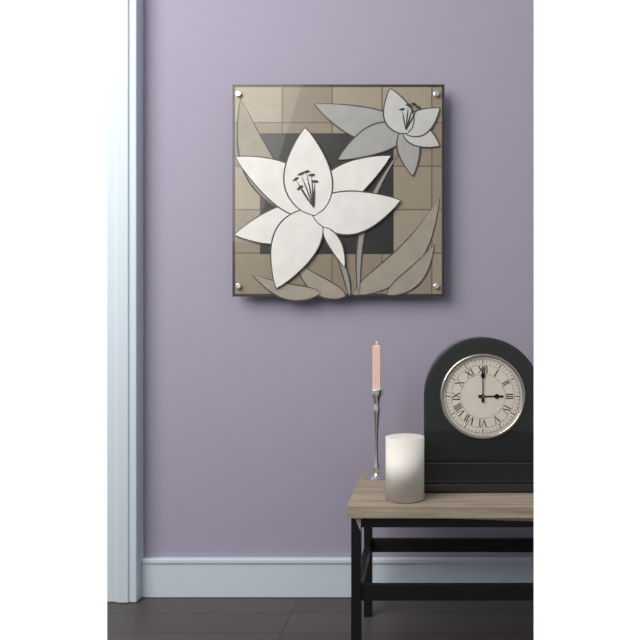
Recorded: {"hour": 3, "minute": 0}
